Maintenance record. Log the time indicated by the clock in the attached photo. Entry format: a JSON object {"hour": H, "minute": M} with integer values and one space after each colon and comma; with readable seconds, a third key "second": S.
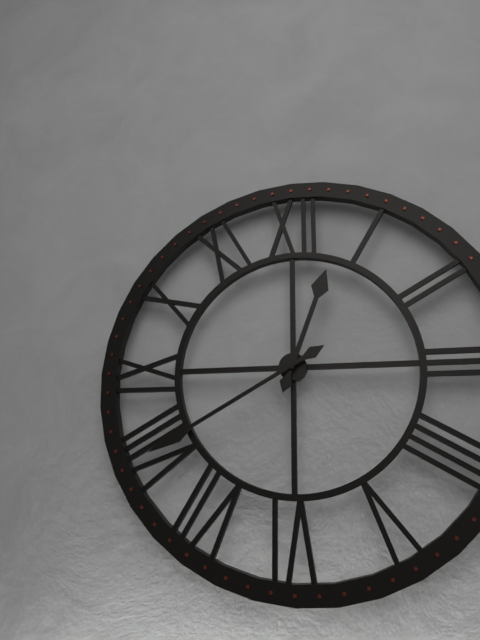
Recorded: {"hour": 12, "minute": 40}
